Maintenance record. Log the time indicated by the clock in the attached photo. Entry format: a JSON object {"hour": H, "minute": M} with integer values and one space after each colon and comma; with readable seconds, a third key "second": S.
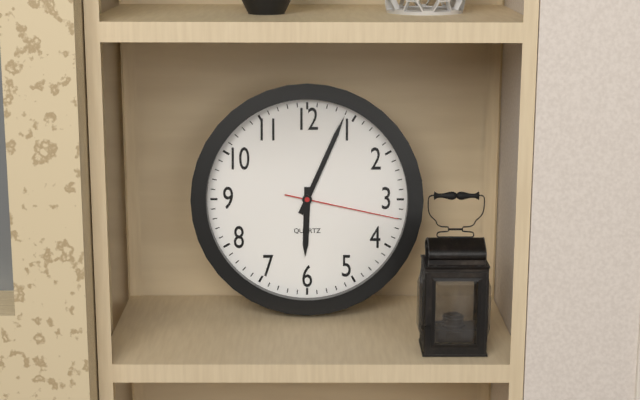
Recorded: {"hour": 6, "minute": 4, "second": 17}
